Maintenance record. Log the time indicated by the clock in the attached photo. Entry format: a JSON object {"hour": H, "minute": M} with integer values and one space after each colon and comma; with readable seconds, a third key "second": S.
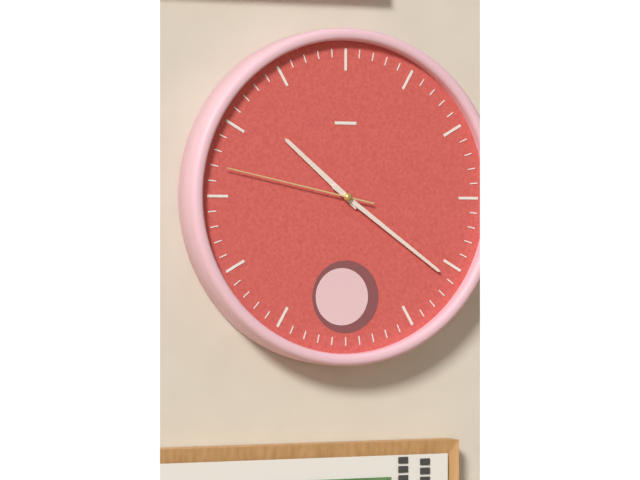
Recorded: {"hour": 10, "minute": 21, "second": 47}
